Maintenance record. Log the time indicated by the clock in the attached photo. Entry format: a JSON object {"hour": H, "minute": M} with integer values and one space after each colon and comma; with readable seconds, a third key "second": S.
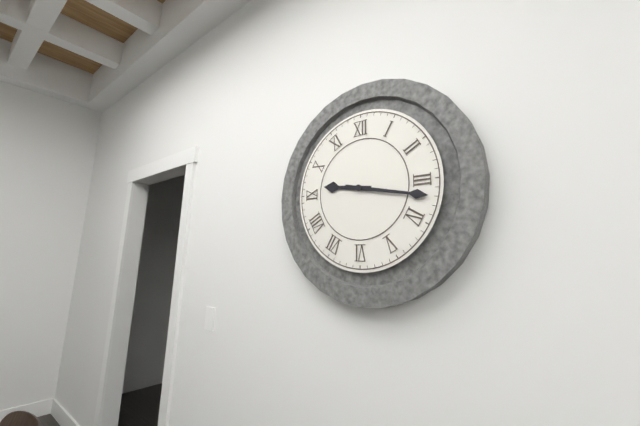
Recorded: {"hour": 9, "minute": 17}
